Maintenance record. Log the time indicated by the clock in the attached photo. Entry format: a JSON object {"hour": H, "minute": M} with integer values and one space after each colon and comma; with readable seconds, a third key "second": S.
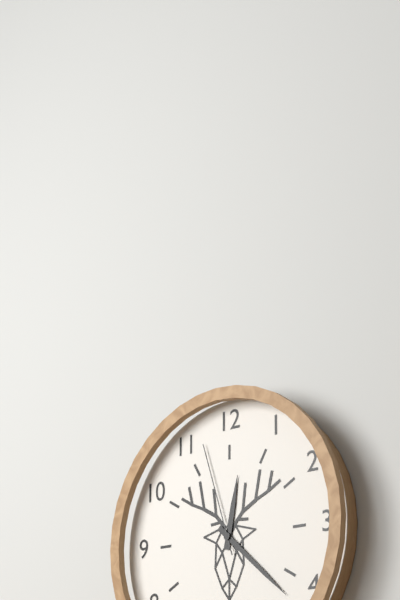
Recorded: {"hour": 12, "minute": 22, "second": 57}
